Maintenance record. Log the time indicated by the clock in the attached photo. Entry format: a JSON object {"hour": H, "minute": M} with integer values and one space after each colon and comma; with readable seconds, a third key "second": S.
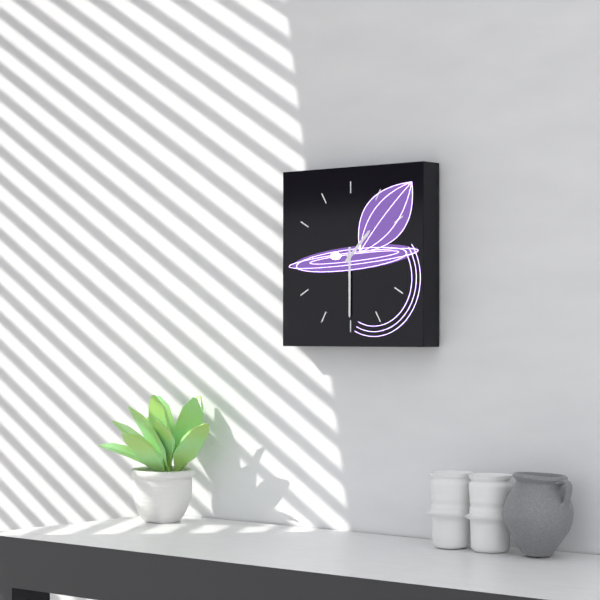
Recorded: {"hour": 1, "minute": 30}
